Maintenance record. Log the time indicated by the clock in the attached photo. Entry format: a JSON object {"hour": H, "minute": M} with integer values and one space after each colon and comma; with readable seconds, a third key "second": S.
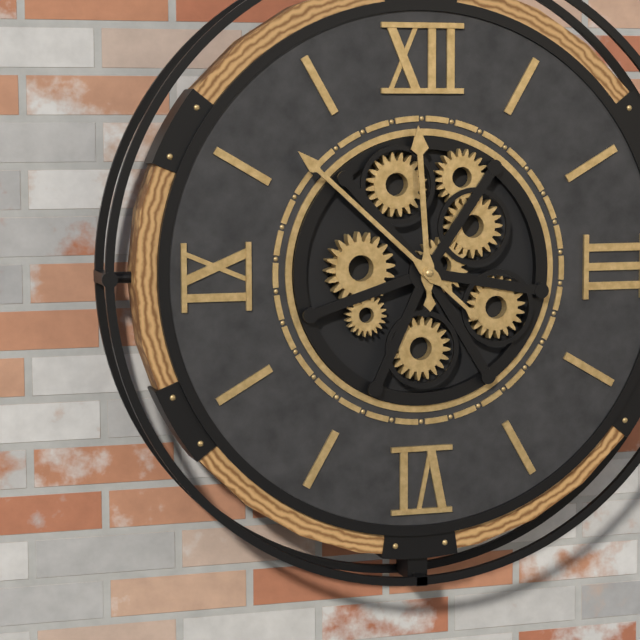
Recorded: {"hour": 11, "minute": 52}
